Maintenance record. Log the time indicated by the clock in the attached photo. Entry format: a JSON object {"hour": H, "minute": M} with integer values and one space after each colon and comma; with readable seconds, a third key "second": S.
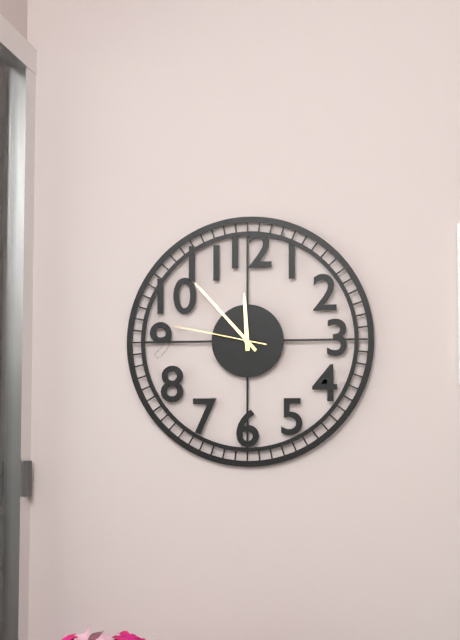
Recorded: {"hour": 11, "minute": 53, "second": 47}
